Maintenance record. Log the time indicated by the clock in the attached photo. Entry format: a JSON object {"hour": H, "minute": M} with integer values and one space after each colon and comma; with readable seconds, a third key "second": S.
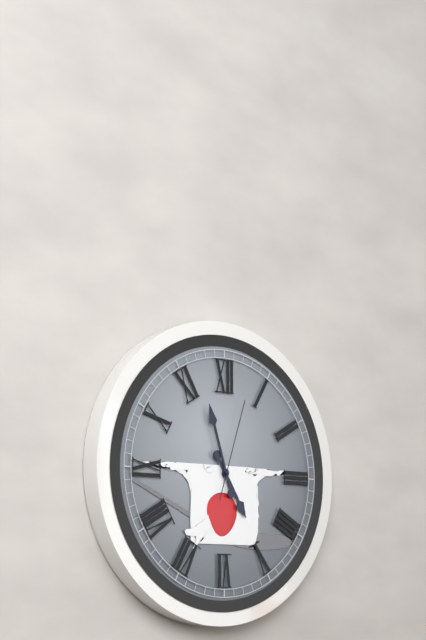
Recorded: {"hour": 4, "minute": 57, "second": 3}
